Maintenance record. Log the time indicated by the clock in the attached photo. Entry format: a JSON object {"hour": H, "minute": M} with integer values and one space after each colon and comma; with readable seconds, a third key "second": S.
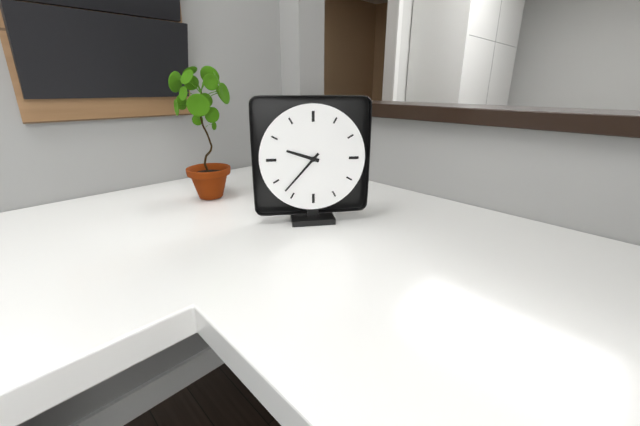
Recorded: {"hour": 9, "minute": 37}
